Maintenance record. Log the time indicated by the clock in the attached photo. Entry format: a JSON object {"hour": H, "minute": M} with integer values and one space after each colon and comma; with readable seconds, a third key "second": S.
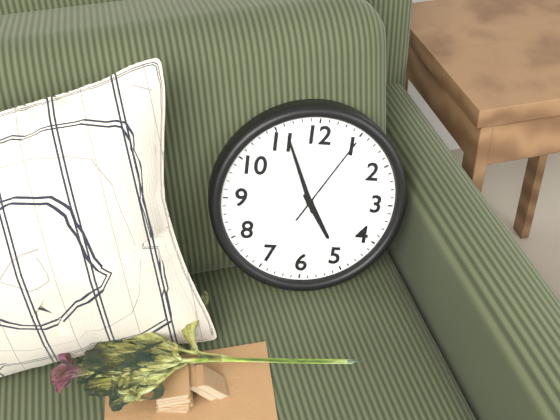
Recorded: {"hour": 4, "minute": 56, "second": 5}
